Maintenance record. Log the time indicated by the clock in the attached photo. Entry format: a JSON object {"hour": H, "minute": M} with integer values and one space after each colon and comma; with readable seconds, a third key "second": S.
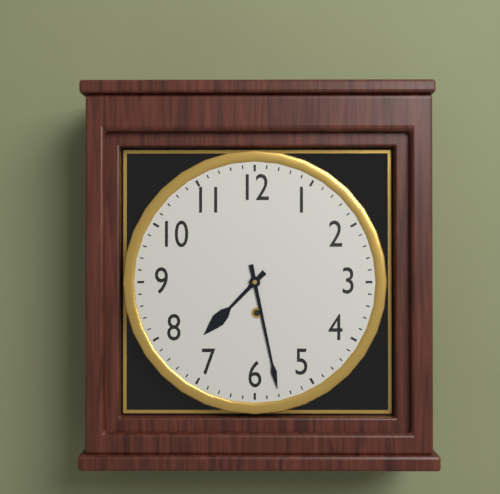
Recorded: {"hour": 7, "minute": 28}
